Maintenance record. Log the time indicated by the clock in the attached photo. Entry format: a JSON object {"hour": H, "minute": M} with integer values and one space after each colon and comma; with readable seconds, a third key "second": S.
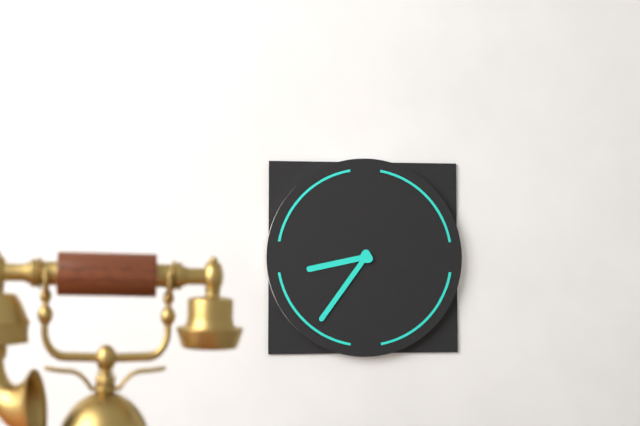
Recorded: {"hour": 8, "minute": 36}
